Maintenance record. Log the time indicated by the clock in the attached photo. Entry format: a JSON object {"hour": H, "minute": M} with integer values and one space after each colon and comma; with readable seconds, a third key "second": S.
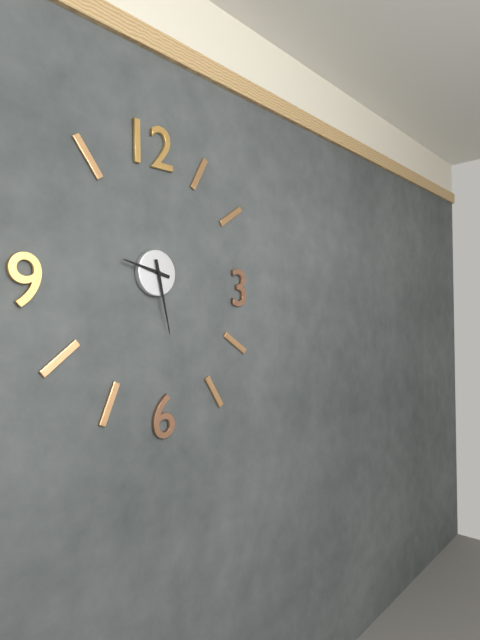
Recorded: {"hour": 9, "minute": 28}
